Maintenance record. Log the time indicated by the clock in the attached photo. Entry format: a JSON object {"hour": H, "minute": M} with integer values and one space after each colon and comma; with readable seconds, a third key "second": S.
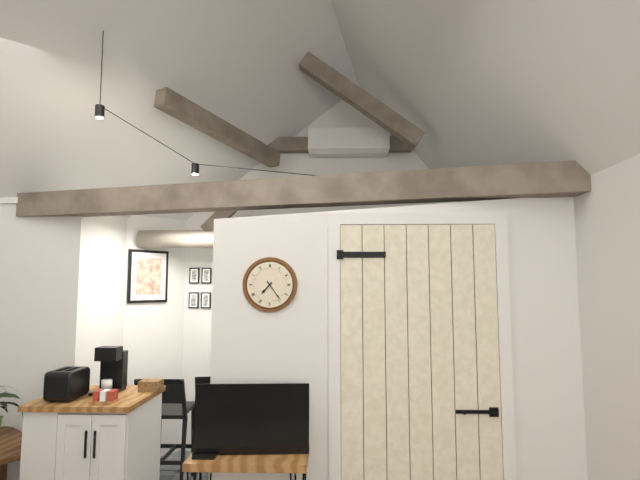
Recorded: {"hour": 7, "minute": 24}
